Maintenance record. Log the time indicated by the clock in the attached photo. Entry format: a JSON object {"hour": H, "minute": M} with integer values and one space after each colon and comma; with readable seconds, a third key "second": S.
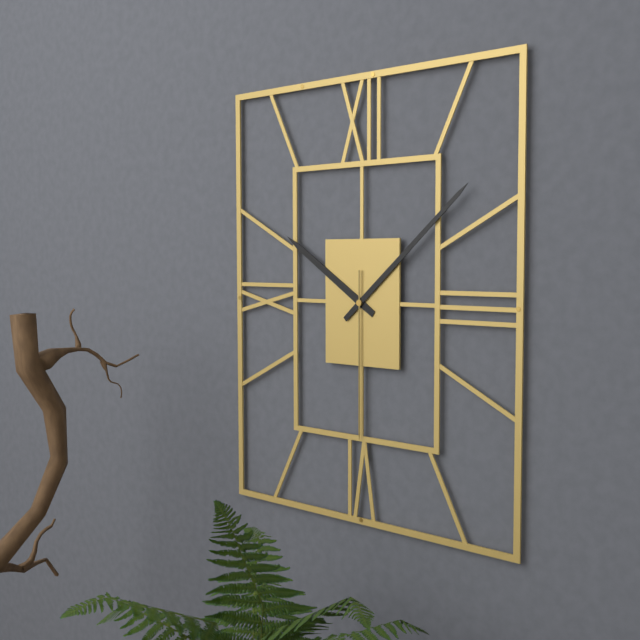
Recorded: {"hour": 10, "minute": 8, "second": 30}
